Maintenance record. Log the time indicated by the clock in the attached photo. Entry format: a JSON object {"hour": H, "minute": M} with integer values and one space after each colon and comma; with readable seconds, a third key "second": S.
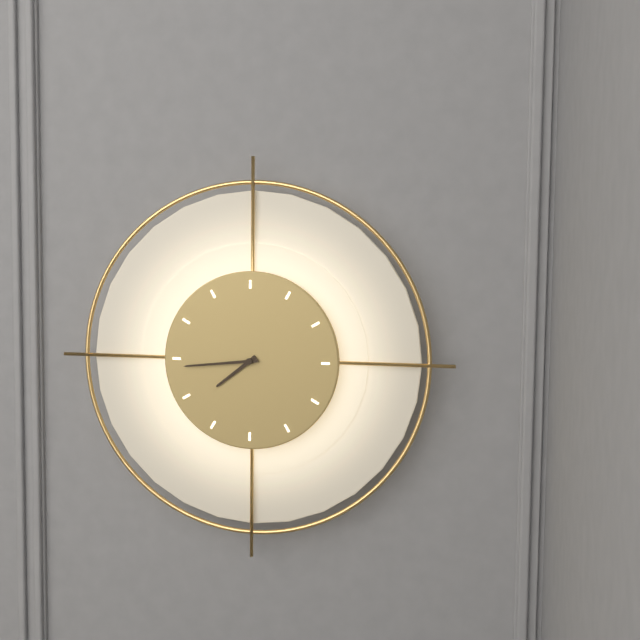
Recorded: {"hour": 7, "minute": 44}
